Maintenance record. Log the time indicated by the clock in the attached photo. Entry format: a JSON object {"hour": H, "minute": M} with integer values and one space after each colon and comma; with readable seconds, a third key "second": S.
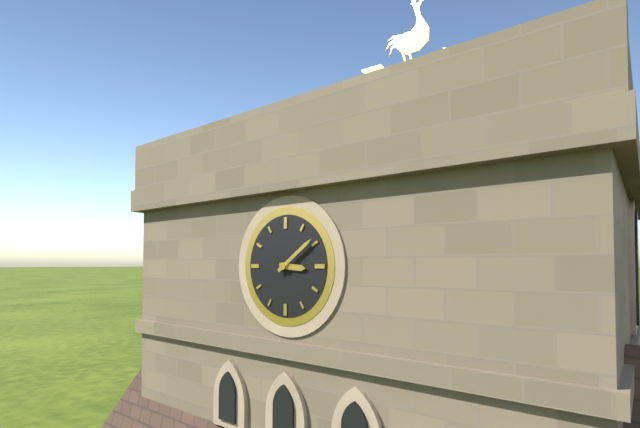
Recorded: {"hour": 3, "minute": 9}
